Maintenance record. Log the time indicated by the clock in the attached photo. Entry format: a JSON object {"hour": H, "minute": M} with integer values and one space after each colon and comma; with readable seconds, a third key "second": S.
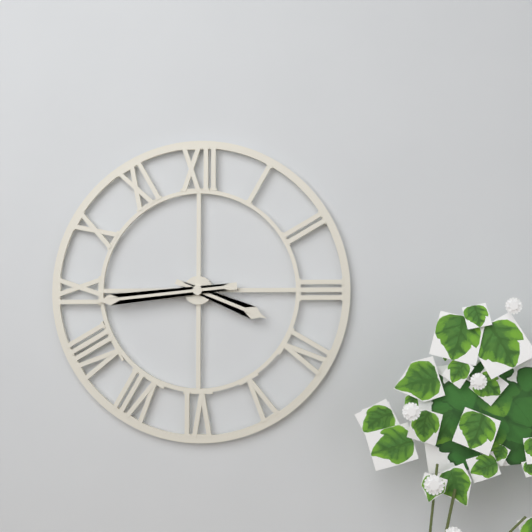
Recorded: {"hour": 3, "minute": 44}
